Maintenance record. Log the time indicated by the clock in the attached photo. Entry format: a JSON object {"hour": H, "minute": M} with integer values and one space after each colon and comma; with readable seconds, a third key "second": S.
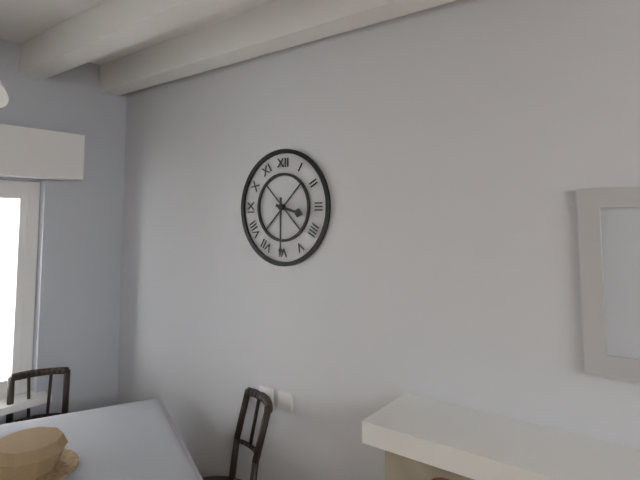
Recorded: {"hour": 3, "minute": 30}
